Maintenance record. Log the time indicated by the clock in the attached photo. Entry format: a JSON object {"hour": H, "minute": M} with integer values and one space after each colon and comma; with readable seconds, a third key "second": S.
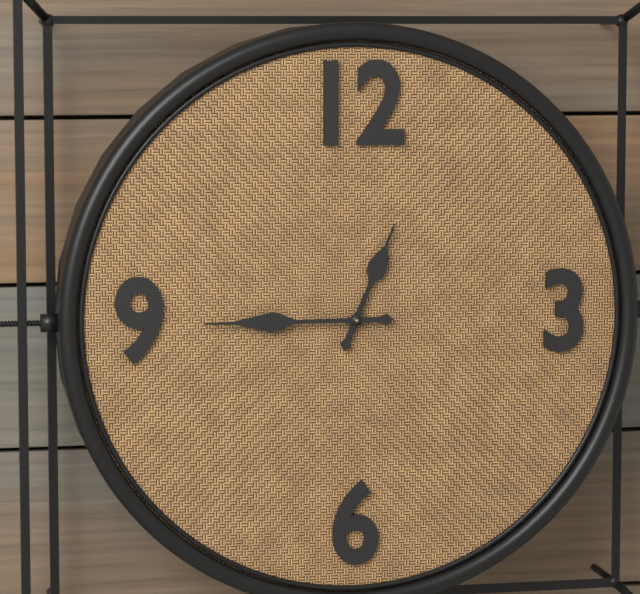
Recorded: {"hour": 12, "minute": 45}
